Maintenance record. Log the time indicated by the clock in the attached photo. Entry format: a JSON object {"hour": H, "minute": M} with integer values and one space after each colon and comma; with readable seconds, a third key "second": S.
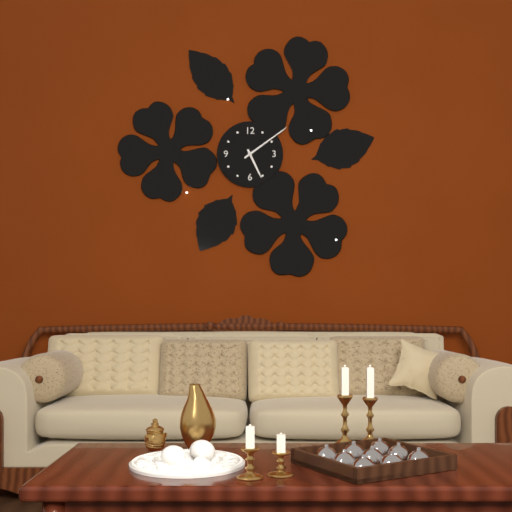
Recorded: {"hour": 5, "minute": 9}
